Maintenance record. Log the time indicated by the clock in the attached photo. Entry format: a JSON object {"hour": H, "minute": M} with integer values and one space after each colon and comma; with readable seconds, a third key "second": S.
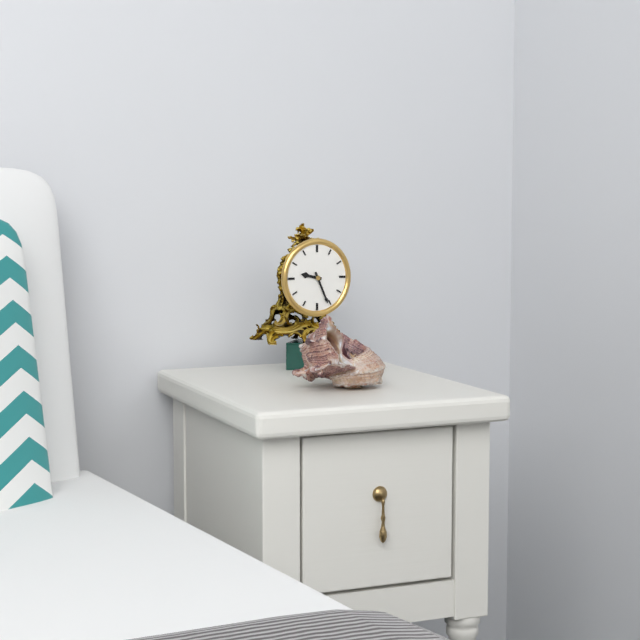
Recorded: {"hour": 9, "minute": 26}
